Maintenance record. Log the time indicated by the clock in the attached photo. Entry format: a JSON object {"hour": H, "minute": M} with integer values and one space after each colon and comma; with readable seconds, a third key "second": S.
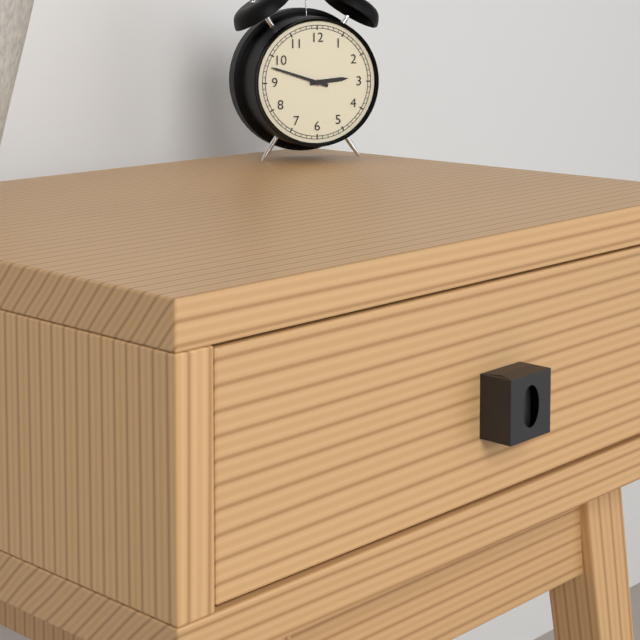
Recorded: {"hour": 2, "minute": 48}
